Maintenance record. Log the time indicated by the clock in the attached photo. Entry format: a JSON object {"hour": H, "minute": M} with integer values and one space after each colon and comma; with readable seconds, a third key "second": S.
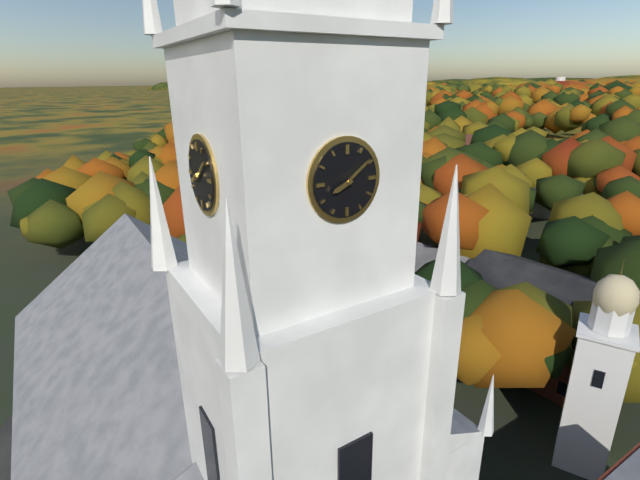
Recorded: {"hour": 8, "minute": 9}
